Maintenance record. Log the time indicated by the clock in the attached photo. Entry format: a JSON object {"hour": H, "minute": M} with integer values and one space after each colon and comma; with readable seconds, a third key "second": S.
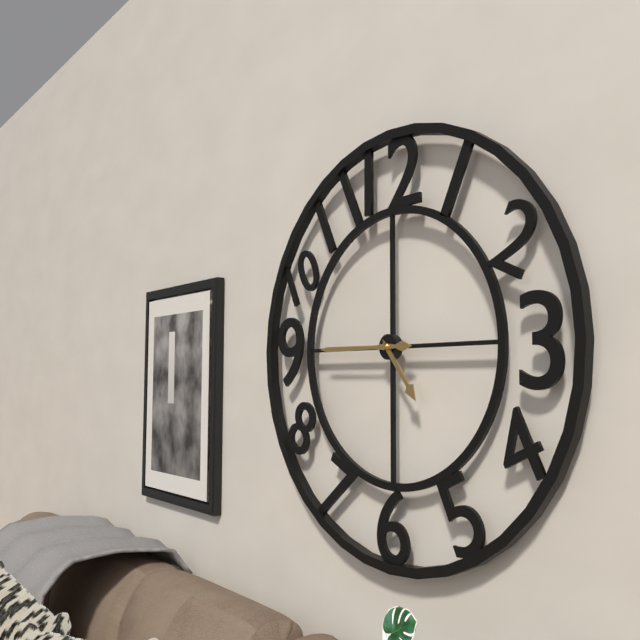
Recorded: {"hour": 4, "minute": 45}
